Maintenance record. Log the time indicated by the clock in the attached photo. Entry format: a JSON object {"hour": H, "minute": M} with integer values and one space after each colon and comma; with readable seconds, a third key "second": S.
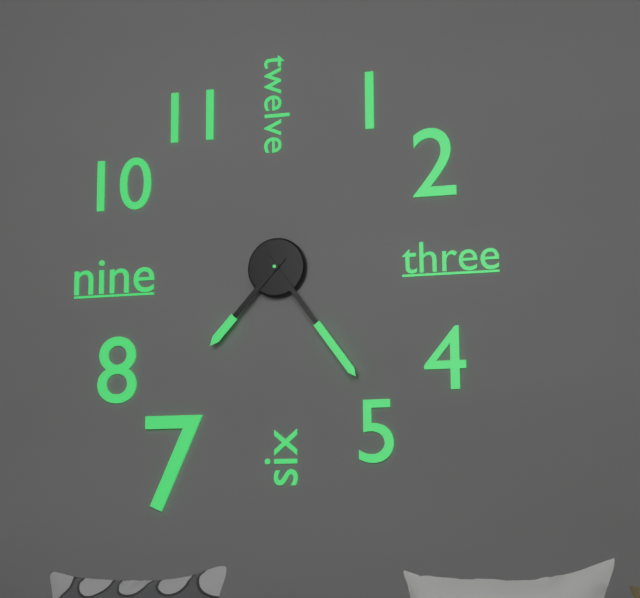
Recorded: {"hour": 7, "minute": 24}
